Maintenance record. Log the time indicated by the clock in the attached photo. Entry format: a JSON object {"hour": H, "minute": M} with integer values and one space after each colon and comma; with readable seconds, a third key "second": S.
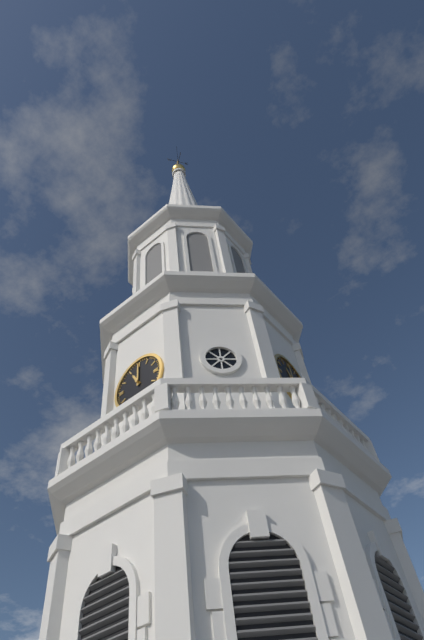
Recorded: {"hour": 11, "minute": 0}
